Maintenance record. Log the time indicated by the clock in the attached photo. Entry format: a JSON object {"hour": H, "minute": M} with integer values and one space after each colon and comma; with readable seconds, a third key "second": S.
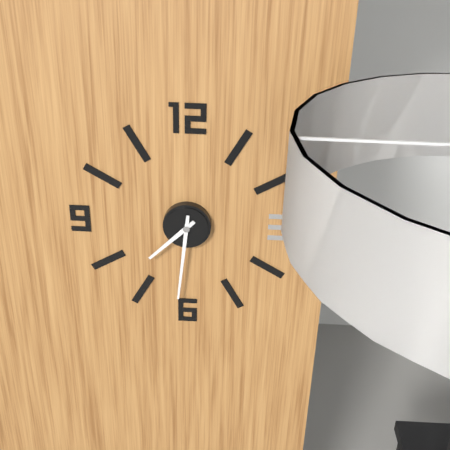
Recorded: {"hour": 7, "minute": 31}
